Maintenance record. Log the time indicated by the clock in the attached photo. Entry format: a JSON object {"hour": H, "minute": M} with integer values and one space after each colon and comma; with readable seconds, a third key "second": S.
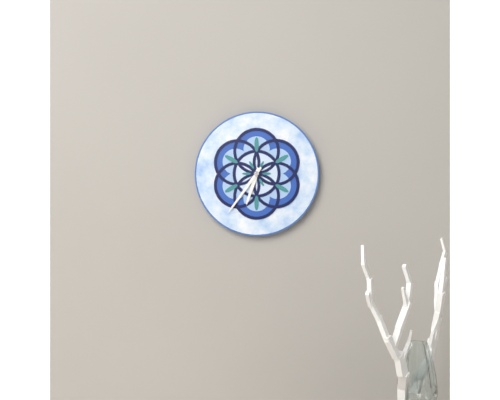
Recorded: {"hour": 6, "minute": 36}
